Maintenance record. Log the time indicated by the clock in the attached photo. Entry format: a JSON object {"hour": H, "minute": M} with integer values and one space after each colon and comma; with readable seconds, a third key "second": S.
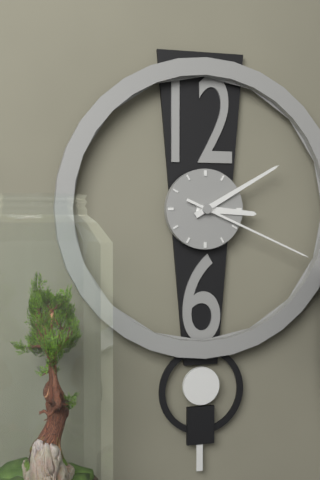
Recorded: {"hour": 3, "minute": 10, "second": 19}
